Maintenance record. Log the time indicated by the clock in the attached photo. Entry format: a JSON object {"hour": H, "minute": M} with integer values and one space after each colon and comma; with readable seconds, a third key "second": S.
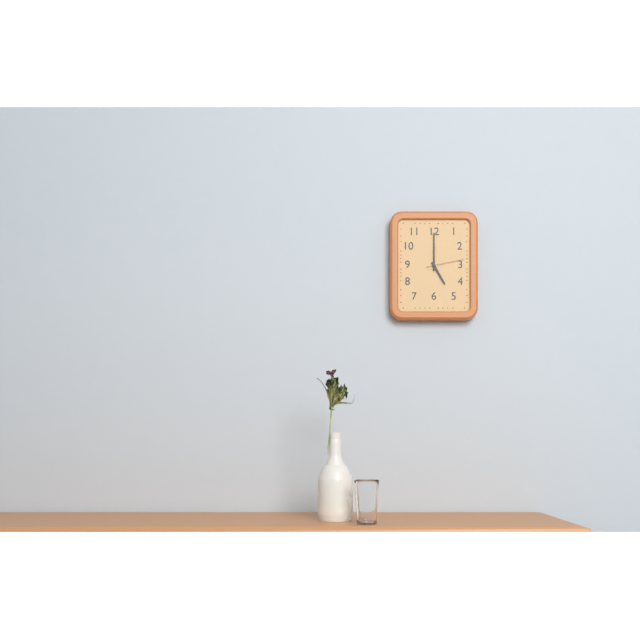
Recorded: {"hour": 5, "minute": 0}
